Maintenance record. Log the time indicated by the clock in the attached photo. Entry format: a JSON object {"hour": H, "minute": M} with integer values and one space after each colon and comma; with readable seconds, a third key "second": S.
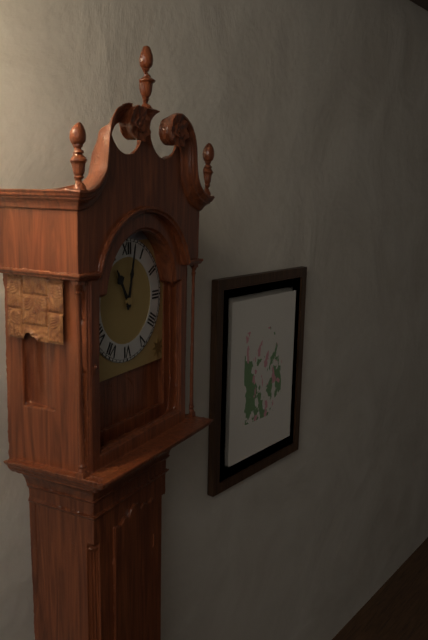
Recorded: {"hour": 11, "minute": 2}
